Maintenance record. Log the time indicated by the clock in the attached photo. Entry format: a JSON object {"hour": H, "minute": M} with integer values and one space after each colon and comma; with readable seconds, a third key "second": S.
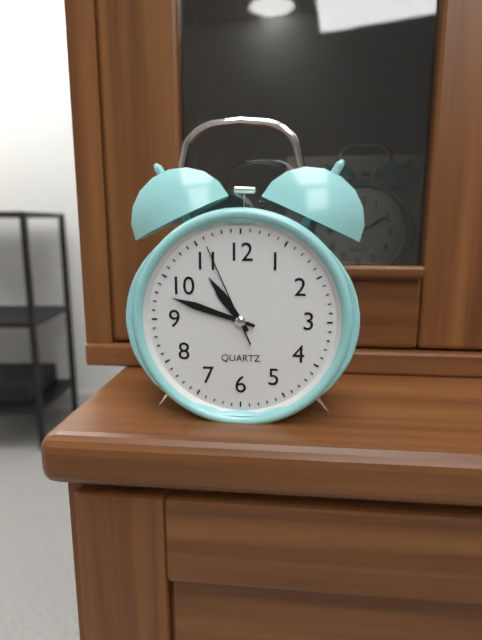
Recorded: {"hour": 10, "minute": 48, "second": 56}
